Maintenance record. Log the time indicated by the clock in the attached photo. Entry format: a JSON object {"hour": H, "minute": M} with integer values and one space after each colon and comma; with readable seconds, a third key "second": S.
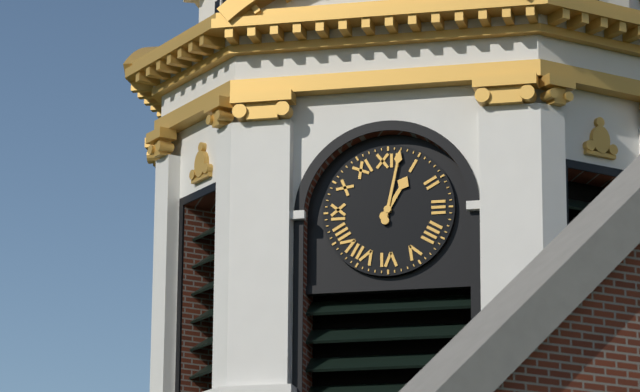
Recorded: {"hour": 1, "minute": 2}
